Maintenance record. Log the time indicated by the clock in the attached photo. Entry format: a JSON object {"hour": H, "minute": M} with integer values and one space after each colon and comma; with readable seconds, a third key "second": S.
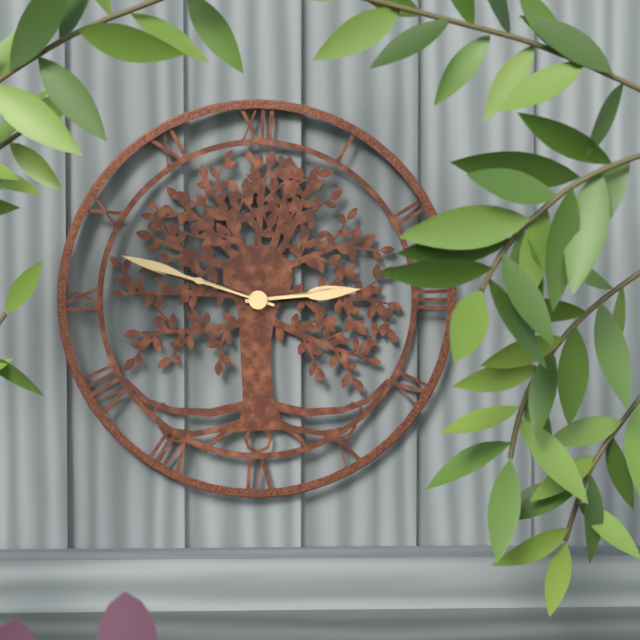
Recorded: {"hour": 2, "minute": 48}
